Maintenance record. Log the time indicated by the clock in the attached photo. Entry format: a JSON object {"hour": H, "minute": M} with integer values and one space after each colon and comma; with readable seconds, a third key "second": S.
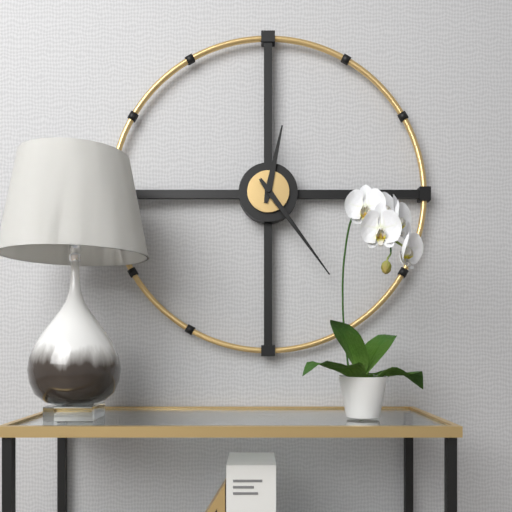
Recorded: {"hour": 12, "minute": 24}
